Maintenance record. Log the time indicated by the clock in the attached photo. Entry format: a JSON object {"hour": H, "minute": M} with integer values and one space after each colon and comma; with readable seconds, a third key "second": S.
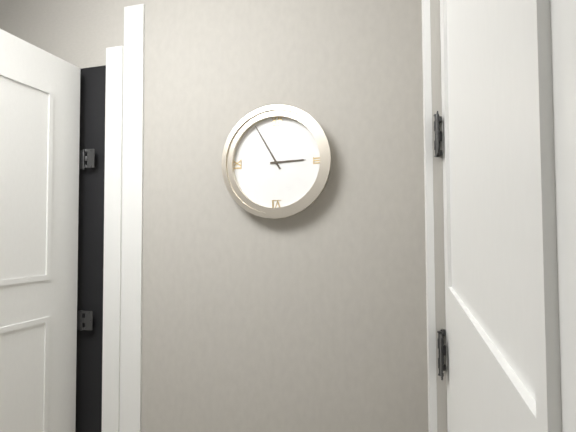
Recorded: {"hour": 2, "minute": 55}
